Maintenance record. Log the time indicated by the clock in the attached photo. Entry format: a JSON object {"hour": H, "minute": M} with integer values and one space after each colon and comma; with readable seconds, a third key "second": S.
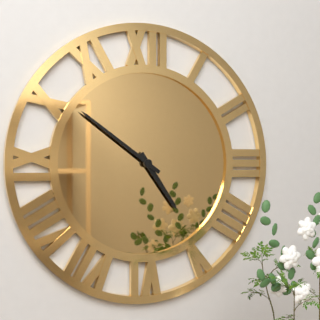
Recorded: {"hour": 4, "minute": 51}
